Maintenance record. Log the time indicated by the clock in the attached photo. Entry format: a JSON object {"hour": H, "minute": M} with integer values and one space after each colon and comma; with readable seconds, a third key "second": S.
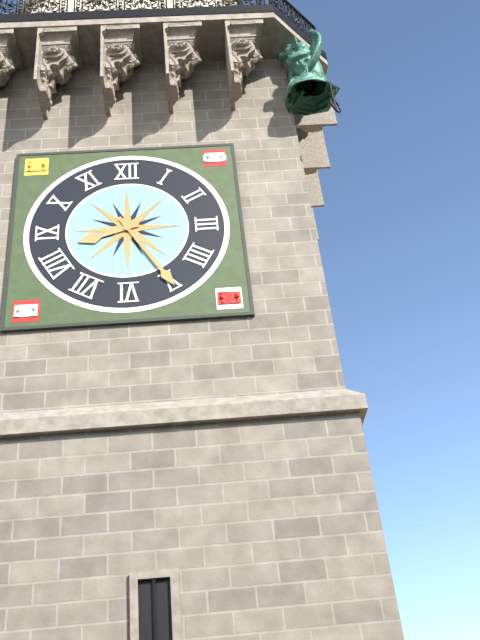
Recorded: {"hour": 8, "minute": 25}
